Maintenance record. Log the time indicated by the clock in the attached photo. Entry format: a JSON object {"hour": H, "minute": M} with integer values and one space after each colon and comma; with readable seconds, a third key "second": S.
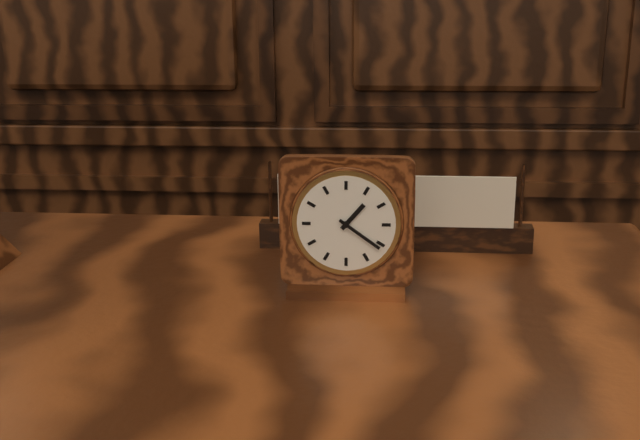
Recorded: {"hour": 1, "minute": 21}
